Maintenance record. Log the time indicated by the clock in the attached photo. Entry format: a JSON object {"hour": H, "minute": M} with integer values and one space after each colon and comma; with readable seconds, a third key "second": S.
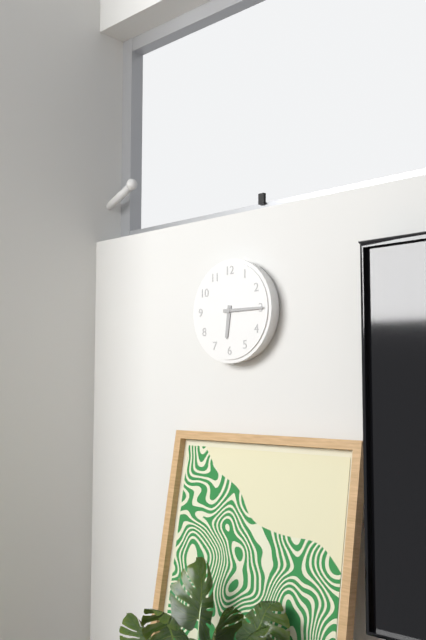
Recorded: {"hour": 6, "minute": 15}
